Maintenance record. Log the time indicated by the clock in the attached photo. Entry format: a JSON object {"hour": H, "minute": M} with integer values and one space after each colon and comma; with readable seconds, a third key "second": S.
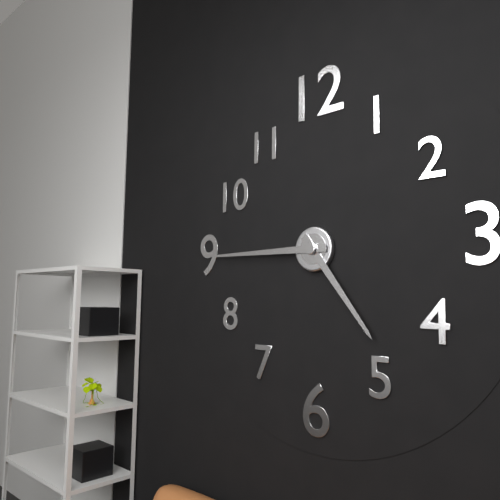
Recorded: {"hour": 4, "minute": 45}
